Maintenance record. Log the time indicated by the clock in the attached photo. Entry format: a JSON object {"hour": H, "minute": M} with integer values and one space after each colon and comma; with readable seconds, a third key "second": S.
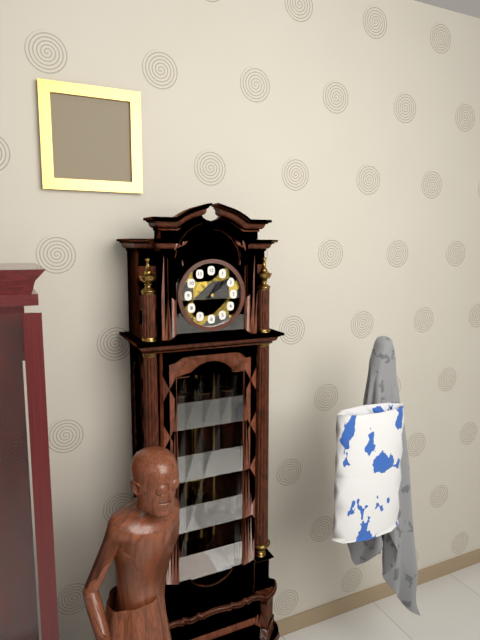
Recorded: {"hour": 1, "minute": 8}
